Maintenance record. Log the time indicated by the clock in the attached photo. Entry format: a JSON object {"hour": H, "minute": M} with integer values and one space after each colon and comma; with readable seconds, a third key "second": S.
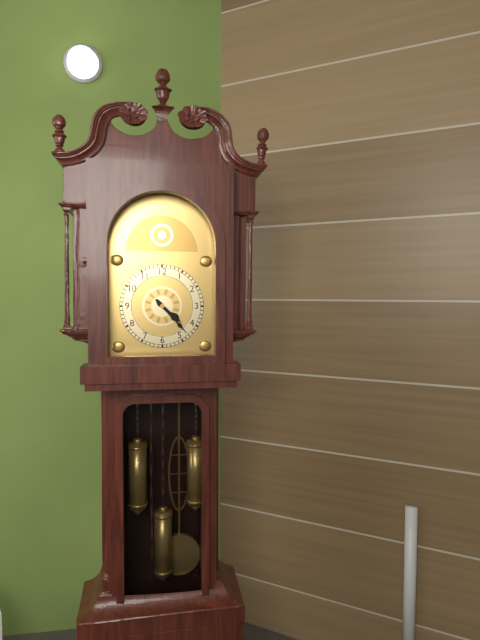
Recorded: {"hour": 4, "minute": 23}
